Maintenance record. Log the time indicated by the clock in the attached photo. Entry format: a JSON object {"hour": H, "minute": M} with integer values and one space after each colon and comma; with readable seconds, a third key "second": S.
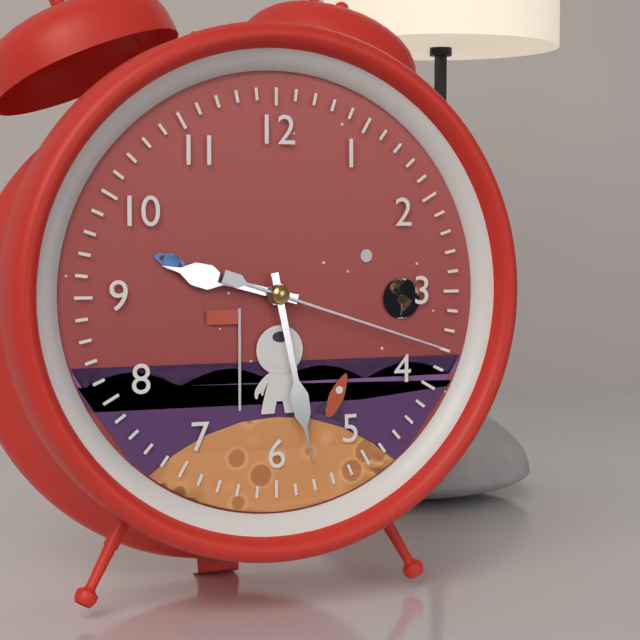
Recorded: {"hour": 9, "minute": 28, "second": 18}
